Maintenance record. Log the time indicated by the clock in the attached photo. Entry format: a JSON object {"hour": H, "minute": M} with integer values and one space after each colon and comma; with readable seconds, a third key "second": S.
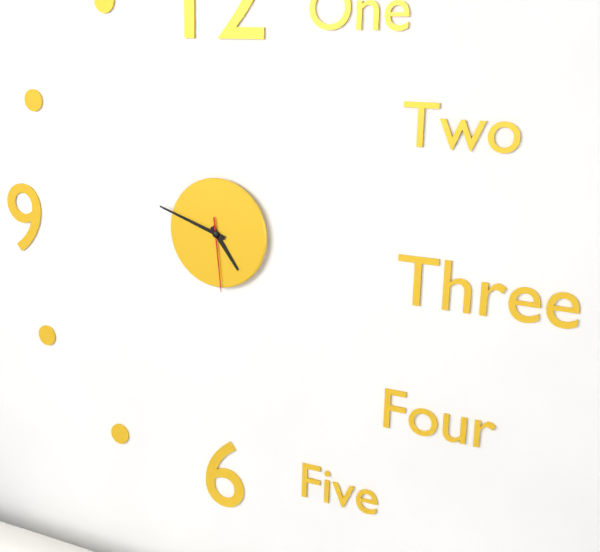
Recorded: {"hour": 4, "minute": 48, "second": 29}
